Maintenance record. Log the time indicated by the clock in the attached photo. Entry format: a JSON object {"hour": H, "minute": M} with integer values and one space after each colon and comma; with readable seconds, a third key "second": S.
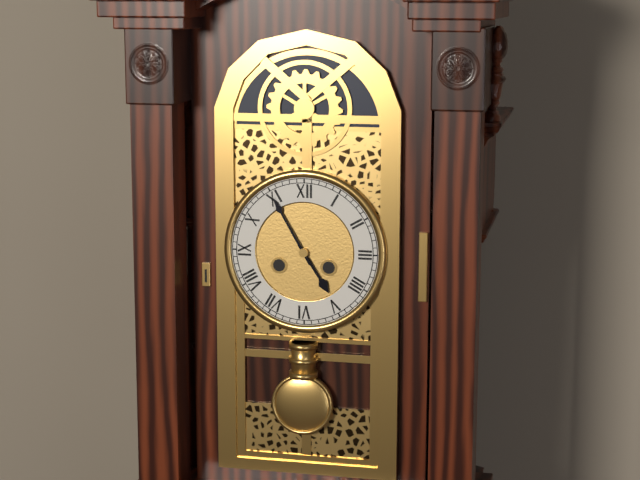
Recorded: {"hour": 4, "minute": 55}
